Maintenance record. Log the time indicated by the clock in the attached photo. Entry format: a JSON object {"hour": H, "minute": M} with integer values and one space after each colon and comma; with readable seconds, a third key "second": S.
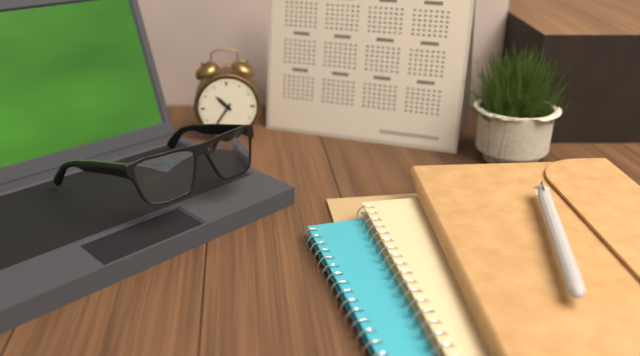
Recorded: {"hour": 10, "minute": 36}
